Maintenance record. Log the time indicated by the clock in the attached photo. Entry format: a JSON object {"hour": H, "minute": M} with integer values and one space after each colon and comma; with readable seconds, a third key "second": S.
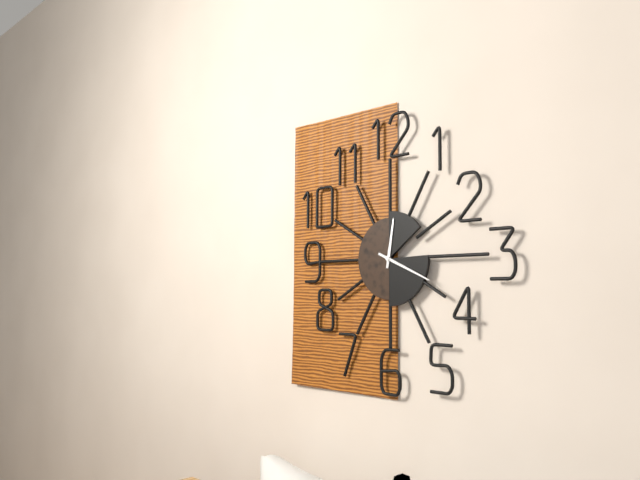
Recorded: {"hour": 12, "minute": 19}
